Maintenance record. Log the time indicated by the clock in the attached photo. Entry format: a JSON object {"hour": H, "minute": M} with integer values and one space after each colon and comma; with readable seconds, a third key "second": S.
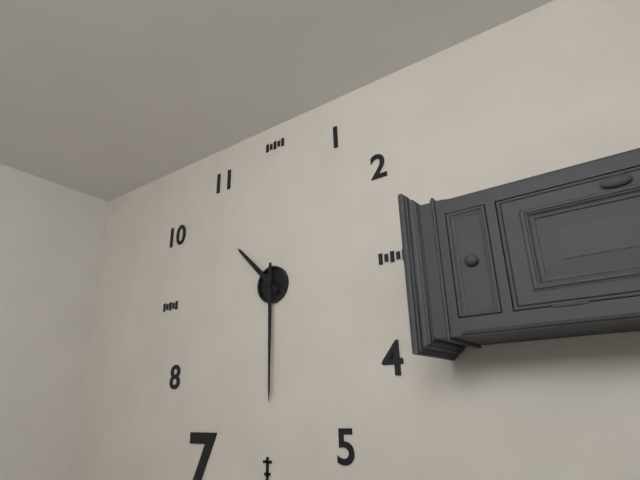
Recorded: {"hour": 10, "minute": 30}
